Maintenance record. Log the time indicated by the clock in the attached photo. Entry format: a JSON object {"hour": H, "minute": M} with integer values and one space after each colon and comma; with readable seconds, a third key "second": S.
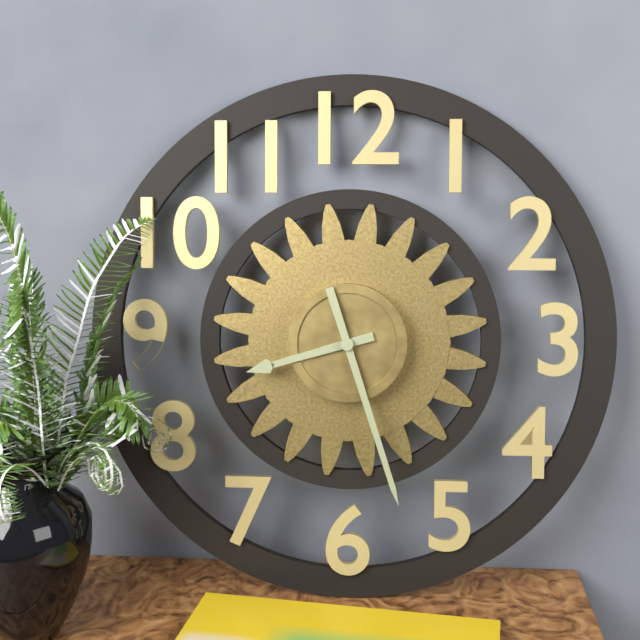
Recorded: {"hour": 8, "minute": 27}
